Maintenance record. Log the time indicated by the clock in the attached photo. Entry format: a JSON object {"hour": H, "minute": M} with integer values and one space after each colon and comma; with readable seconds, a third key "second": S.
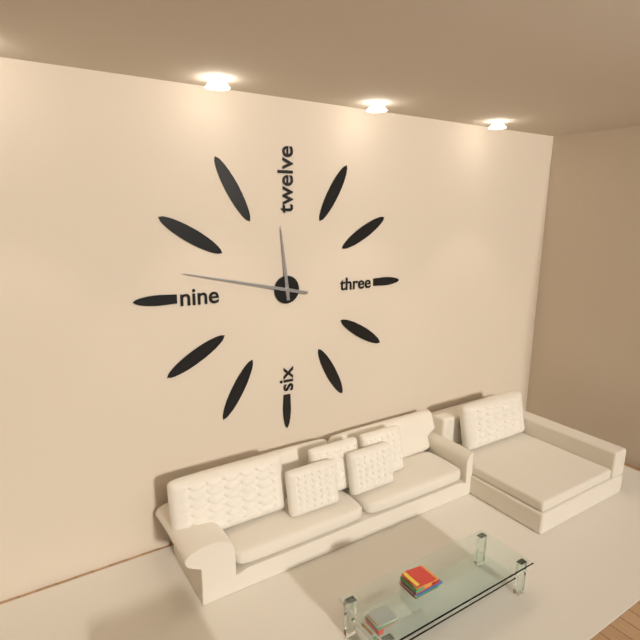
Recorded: {"hour": 11, "minute": 47}
